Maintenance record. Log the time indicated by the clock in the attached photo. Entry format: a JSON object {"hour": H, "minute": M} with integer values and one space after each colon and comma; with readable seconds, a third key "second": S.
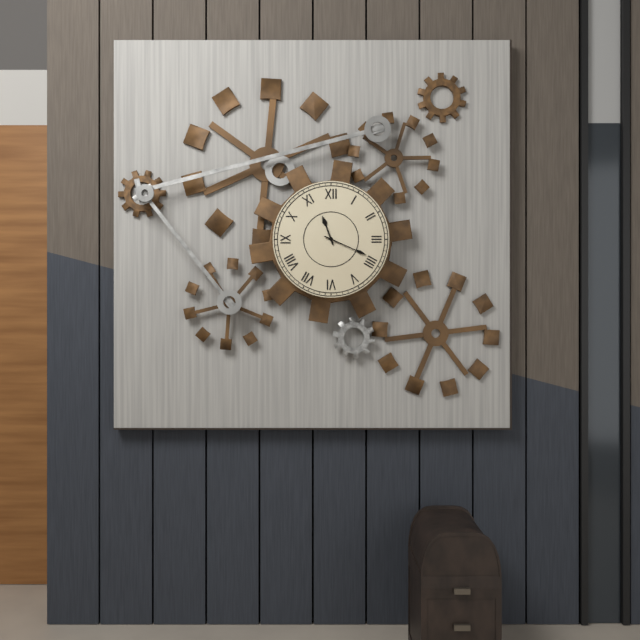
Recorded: {"hour": 11, "minute": 19}
